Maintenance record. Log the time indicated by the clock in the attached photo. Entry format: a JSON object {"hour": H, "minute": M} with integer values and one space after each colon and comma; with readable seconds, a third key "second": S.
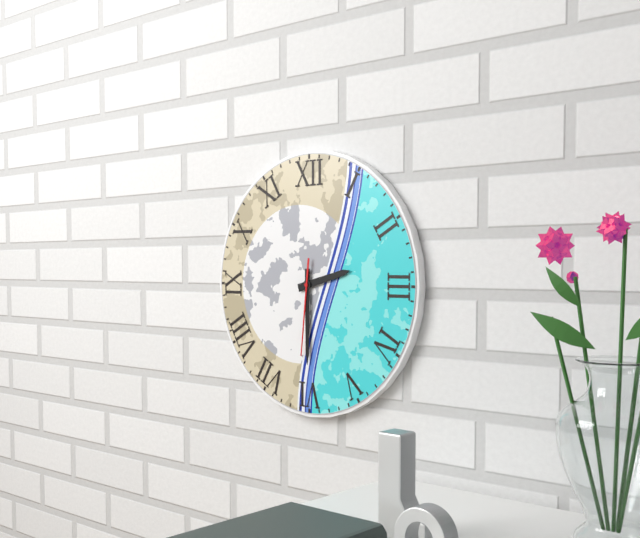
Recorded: {"hour": 2, "minute": 30, "second": 31}
